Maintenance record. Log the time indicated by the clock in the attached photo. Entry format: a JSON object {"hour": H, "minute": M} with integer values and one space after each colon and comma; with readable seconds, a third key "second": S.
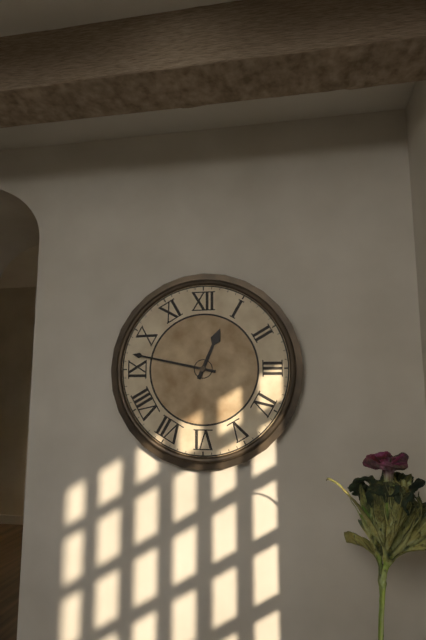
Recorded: {"hour": 12, "minute": 47}
